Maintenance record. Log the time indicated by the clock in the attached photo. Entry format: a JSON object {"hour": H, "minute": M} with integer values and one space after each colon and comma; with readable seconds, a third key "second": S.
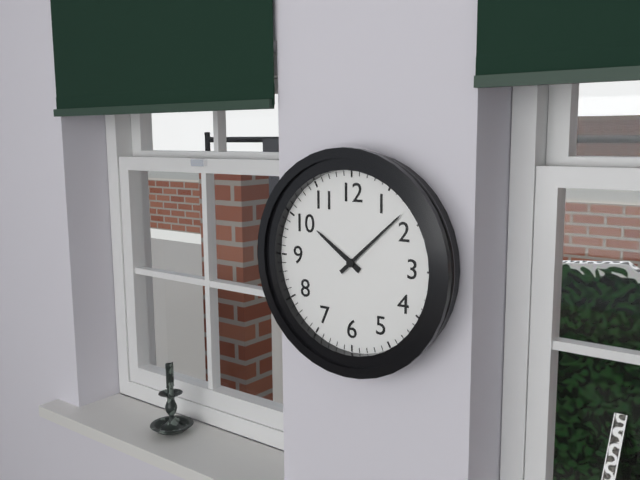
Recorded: {"hour": 10, "minute": 8}
